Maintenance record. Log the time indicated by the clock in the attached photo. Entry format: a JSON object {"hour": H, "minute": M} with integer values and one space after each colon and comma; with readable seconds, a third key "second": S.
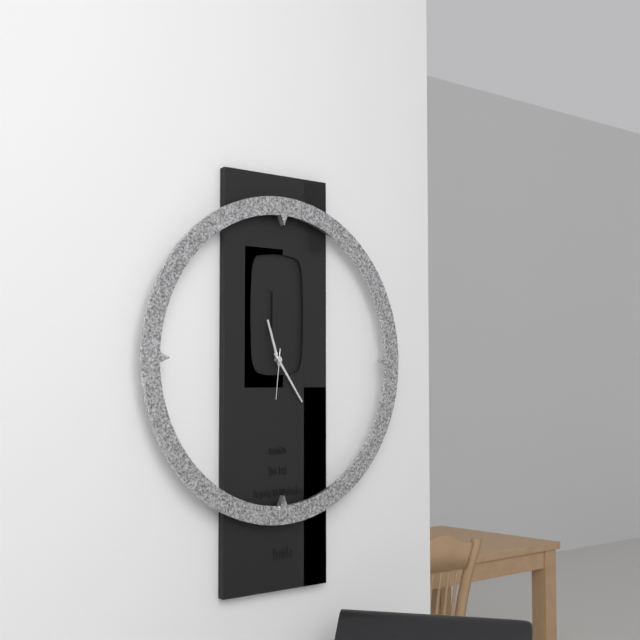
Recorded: {"hour": 11, "minute": 24, "second": 31}
